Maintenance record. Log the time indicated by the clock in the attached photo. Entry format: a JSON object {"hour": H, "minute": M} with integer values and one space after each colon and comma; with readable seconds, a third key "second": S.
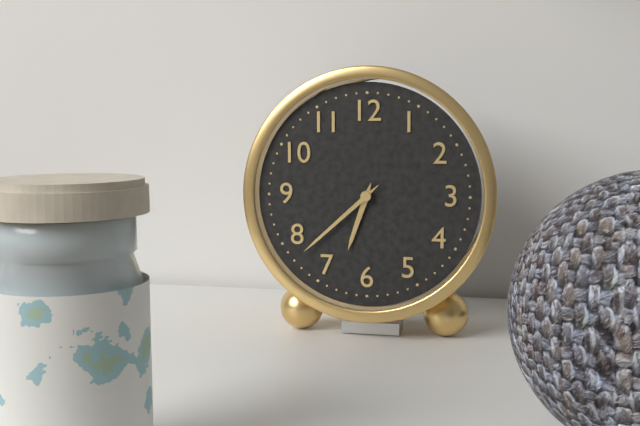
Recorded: {"hour": 6, "minute": 38}
